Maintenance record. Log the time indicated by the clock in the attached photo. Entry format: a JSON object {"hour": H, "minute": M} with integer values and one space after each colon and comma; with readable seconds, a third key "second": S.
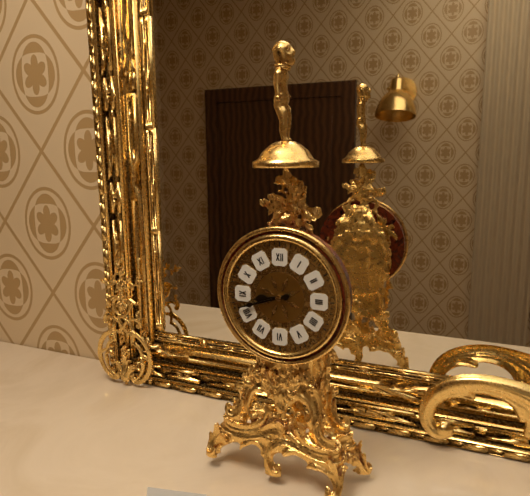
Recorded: {"hour": 8, "minute": 42}
